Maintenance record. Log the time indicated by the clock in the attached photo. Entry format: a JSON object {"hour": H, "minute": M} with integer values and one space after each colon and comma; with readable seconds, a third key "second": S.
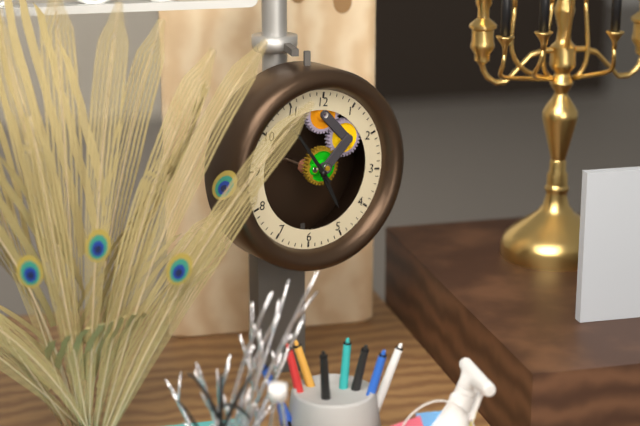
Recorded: {"hour": 4, "minute": 53}
